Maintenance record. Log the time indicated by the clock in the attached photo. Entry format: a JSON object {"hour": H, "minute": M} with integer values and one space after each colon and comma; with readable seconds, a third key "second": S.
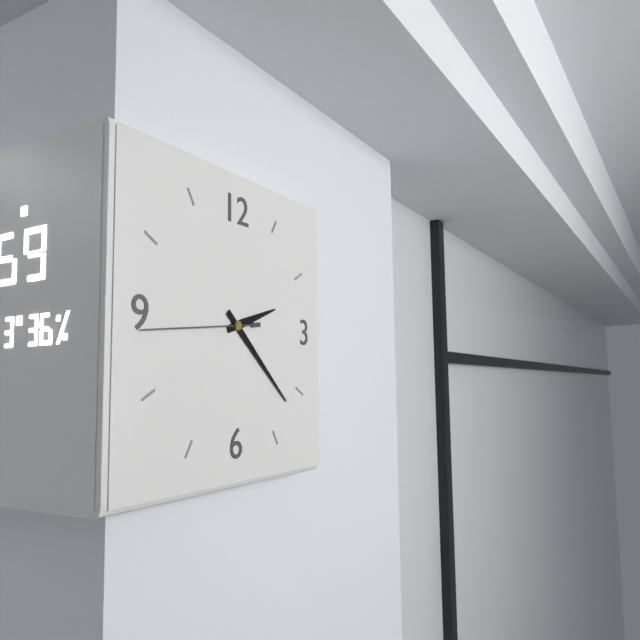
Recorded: {"hour": 2, "minute": 22, "second": 44}
